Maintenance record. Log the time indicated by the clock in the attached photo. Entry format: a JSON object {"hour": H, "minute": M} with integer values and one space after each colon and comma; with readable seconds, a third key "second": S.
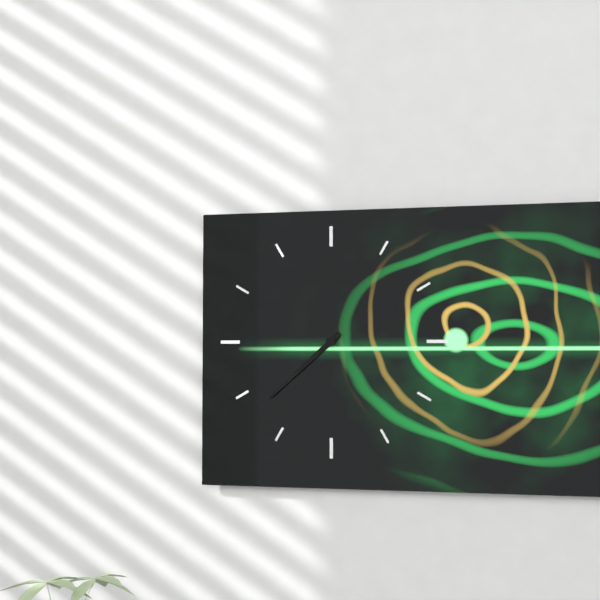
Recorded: {"hour": 7, "minute": 38}
